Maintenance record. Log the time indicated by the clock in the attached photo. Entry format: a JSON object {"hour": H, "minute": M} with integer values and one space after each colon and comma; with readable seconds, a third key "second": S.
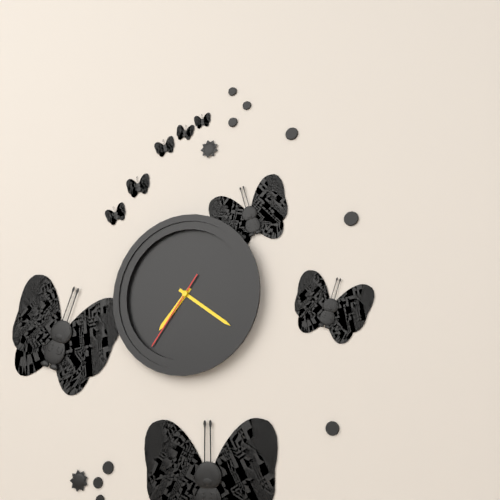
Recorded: {"hour": 7, "minute": 21, "second": 36}
